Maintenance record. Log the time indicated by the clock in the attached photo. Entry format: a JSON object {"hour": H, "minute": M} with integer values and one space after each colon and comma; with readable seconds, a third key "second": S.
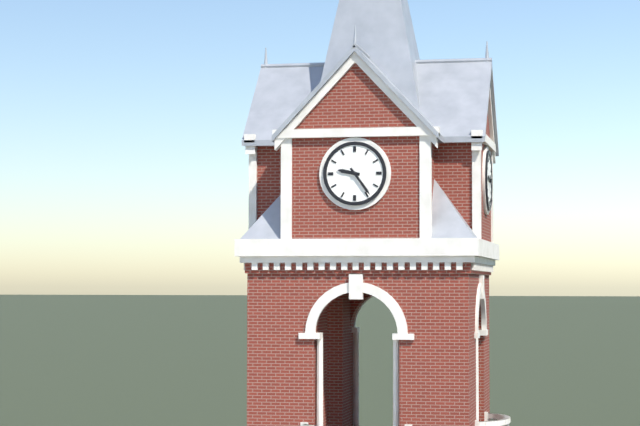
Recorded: {"hour": 9, "minute": 24}
